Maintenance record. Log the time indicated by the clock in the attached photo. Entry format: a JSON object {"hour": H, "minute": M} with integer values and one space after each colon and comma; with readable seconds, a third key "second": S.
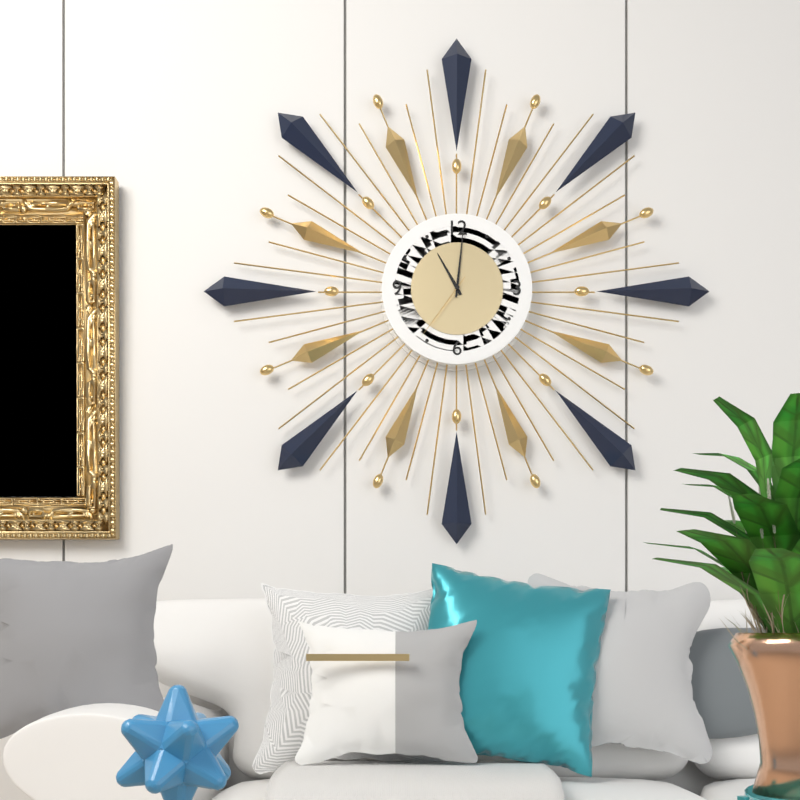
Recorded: {"hour": 11, "minute": 1, "second": 36}
